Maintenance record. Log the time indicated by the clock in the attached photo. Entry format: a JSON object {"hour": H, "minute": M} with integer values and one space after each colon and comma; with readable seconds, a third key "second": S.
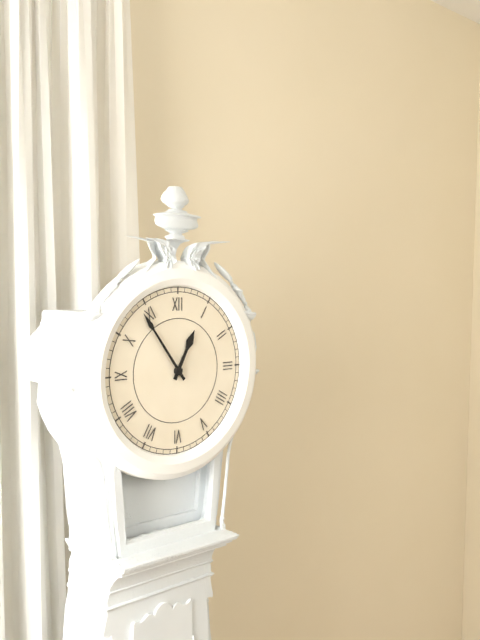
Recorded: {"hour": 12, "minute": 54}
